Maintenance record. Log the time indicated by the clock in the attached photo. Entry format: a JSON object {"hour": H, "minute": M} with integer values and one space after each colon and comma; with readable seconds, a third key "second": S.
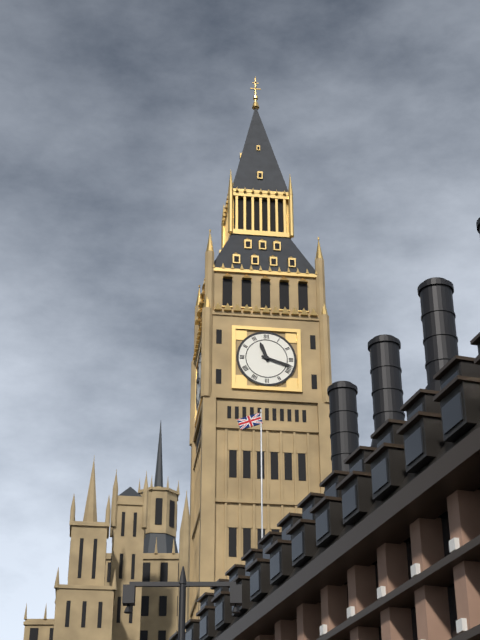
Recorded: {"hour": 11, "minute": 18}
